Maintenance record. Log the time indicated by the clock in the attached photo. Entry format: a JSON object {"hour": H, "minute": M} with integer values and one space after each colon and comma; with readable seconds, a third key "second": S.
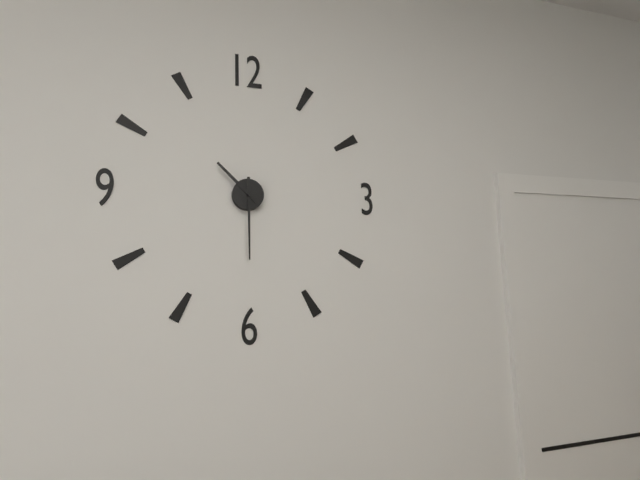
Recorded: {"hour": 10, "minute": 30}
